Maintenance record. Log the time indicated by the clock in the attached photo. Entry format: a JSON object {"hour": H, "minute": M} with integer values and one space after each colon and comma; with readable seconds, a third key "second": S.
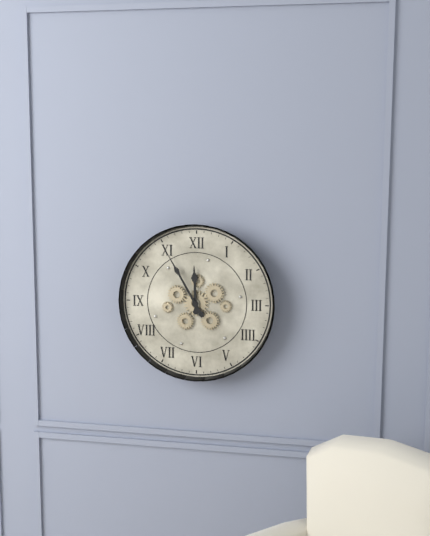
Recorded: {"hour": 11, "minute": 55}
